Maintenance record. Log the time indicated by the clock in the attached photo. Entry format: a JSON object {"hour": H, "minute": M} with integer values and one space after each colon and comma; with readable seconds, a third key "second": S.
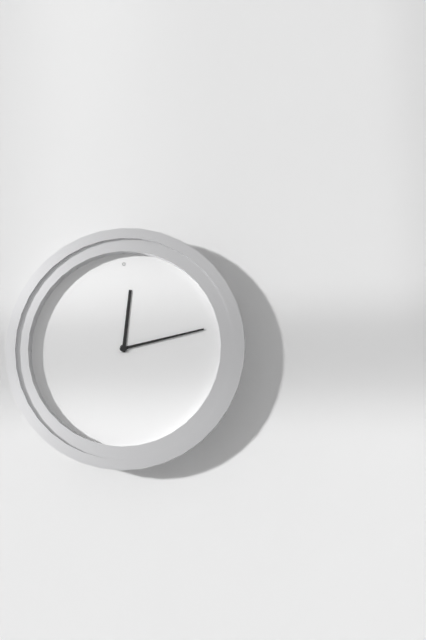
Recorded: {"hour": 12, "minute": 13}
